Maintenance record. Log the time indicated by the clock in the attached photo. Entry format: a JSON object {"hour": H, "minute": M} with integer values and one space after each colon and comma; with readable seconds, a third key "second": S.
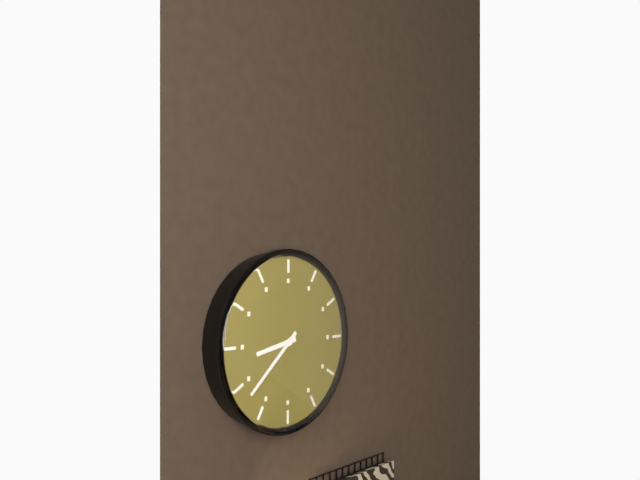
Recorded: {"hour": 8, "minute": 38}
